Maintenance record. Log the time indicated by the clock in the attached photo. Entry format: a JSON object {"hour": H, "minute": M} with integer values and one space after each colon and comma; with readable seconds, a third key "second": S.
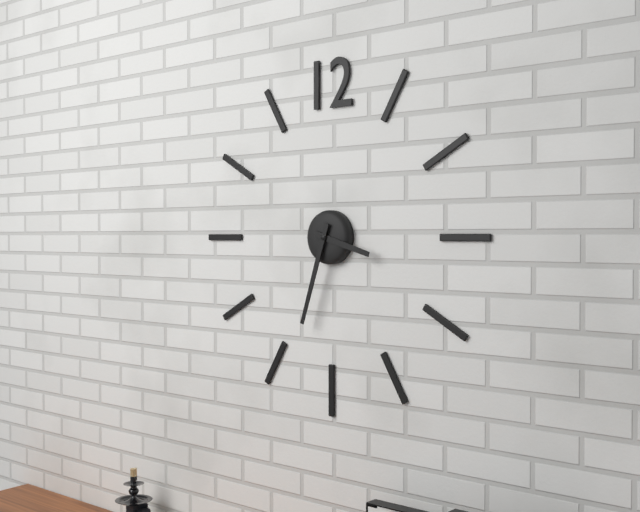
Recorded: {"hour": 3, "minute": 33}
